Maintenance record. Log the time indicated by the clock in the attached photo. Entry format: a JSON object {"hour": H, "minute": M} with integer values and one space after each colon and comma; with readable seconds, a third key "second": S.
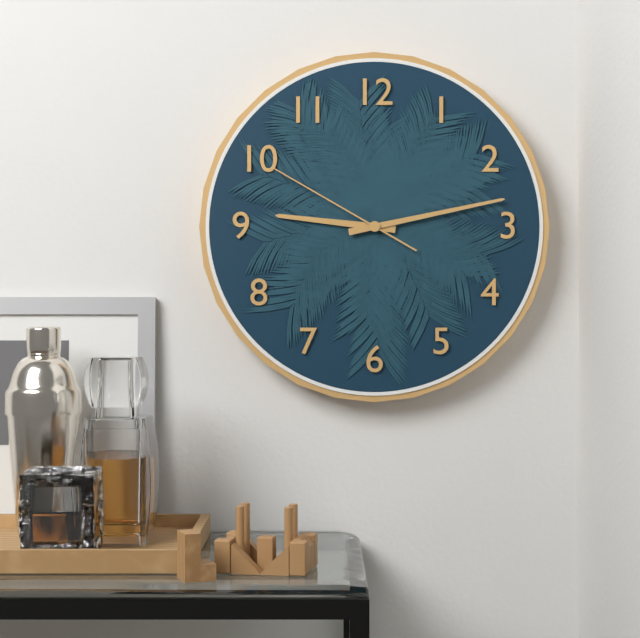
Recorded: {"hour": 9, "minute": 13, "second": 50}
